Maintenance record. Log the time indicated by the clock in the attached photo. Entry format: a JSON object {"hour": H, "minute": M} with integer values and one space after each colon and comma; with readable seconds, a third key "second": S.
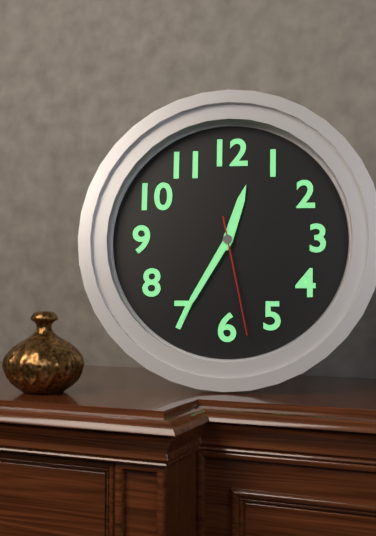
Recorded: {"hour": 12, "minute": 35, "second": 28}
